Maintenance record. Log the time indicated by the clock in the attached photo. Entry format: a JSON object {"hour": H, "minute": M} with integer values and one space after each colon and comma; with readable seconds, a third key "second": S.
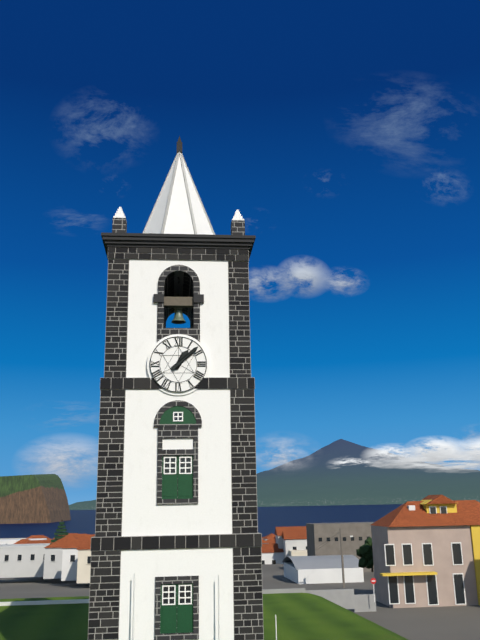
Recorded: {"hour": 1, "minute": 8}
